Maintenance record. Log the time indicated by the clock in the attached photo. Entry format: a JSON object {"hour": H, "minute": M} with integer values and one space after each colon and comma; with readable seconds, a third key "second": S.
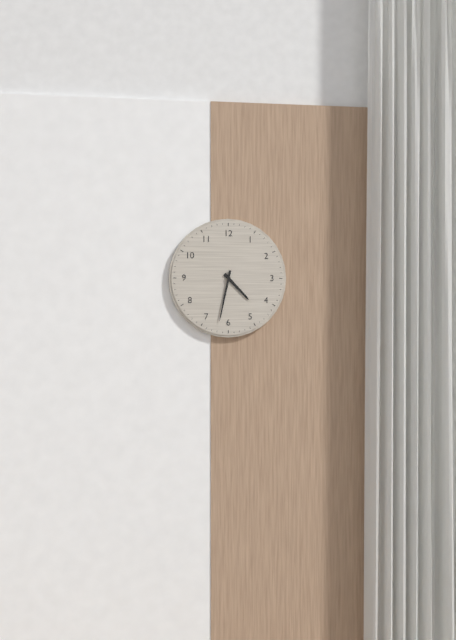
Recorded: {"hour": 4, "minute": 32}
